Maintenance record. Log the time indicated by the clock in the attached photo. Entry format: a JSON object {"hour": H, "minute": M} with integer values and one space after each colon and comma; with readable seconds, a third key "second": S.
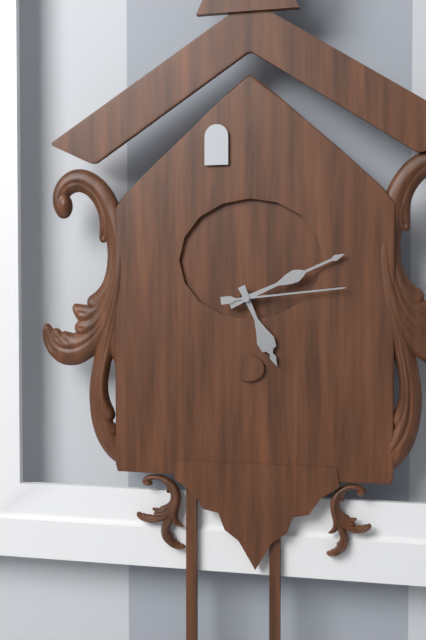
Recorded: {"hour": 5, "minute": 11, "second": 14}
